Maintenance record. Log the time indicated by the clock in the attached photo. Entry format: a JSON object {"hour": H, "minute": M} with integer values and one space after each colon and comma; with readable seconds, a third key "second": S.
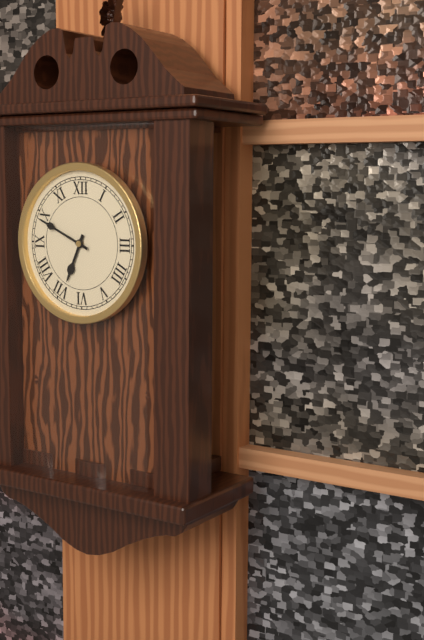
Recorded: {"hour": 6, "minute": 49}
